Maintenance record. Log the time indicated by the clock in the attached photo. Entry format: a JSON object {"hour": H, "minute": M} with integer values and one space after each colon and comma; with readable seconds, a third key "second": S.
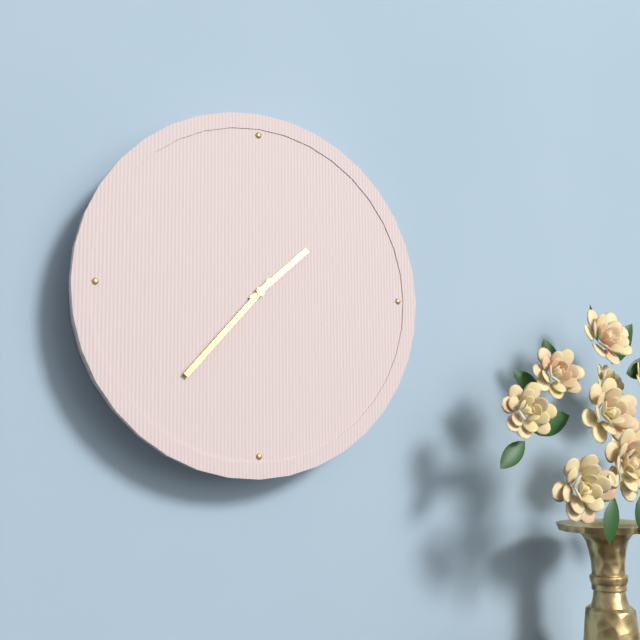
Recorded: {"hour": 1, "minute": 37}
